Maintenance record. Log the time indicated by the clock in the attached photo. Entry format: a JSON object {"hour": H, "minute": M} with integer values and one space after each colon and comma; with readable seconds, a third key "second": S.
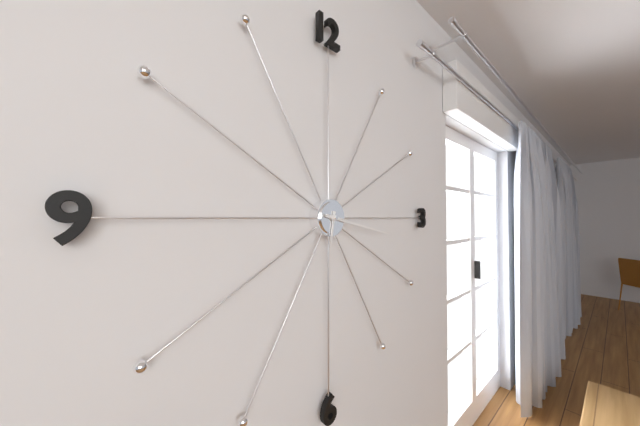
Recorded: {"hour": 6, "minute": 17}
